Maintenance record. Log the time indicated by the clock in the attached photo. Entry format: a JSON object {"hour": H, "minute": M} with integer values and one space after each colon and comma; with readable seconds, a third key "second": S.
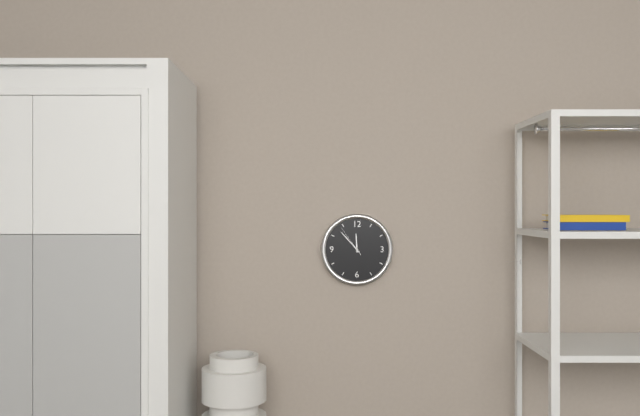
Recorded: {"hour": 11, "minute": 53}
